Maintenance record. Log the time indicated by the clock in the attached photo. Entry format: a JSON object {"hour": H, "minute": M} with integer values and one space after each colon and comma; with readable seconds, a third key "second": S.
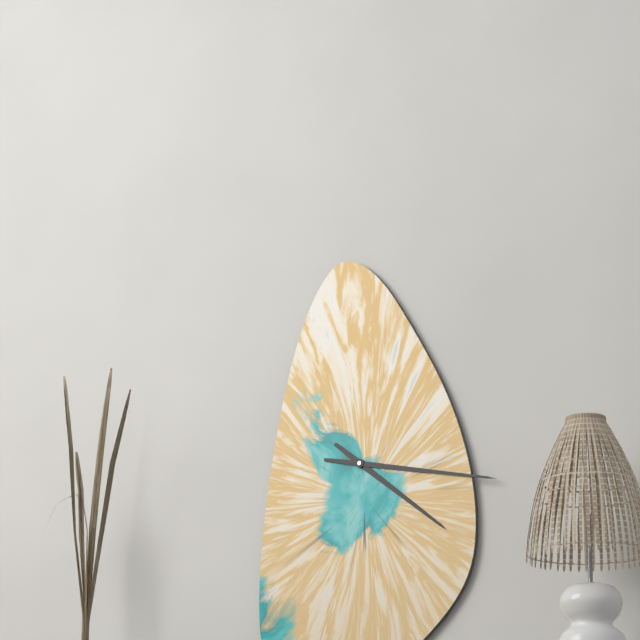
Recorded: {"hour": 4, "minute": 17}
